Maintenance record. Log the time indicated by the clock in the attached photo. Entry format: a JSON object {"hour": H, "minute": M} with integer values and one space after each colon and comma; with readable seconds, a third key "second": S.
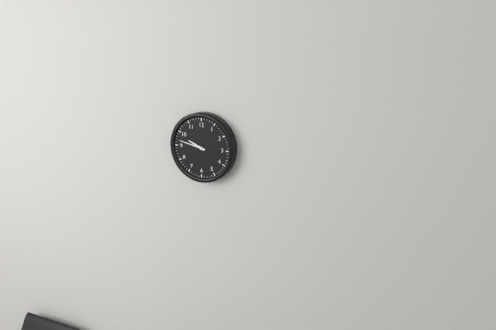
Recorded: {"hour": 9, "minute": 47}
